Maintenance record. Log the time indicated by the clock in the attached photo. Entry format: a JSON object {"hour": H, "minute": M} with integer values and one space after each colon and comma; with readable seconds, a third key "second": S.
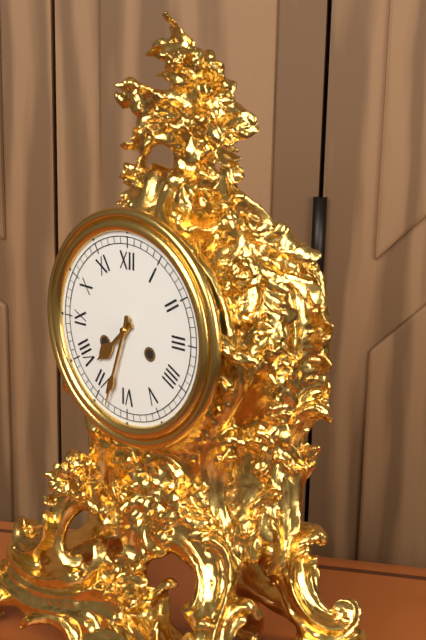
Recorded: {"hour": 7, "minute": 33}
